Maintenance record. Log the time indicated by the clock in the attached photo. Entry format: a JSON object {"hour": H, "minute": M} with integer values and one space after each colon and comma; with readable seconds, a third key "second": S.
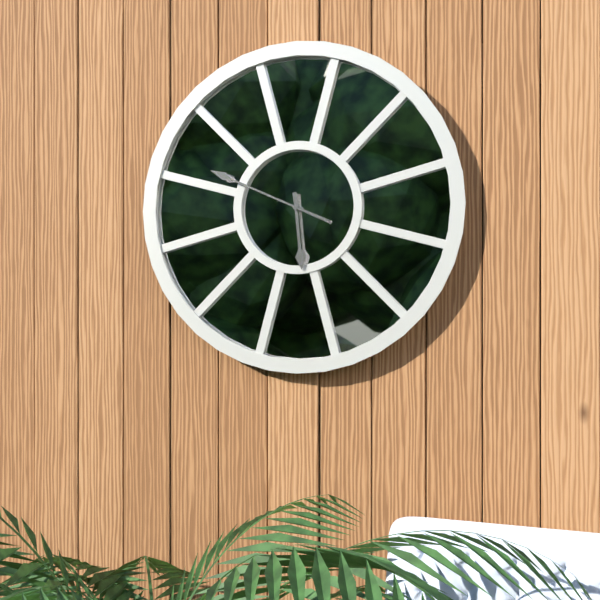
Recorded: {"hour": 5, "minute": 49}
